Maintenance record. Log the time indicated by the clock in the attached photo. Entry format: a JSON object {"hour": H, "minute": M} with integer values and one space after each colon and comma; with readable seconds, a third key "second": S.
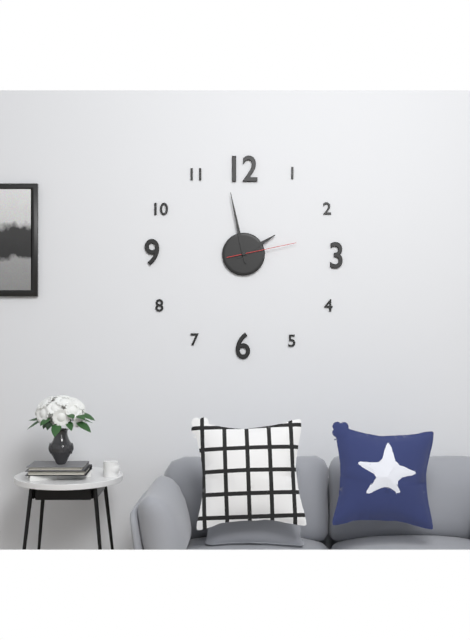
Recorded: {"hour": 1, "minute": 58, "second": 13}
